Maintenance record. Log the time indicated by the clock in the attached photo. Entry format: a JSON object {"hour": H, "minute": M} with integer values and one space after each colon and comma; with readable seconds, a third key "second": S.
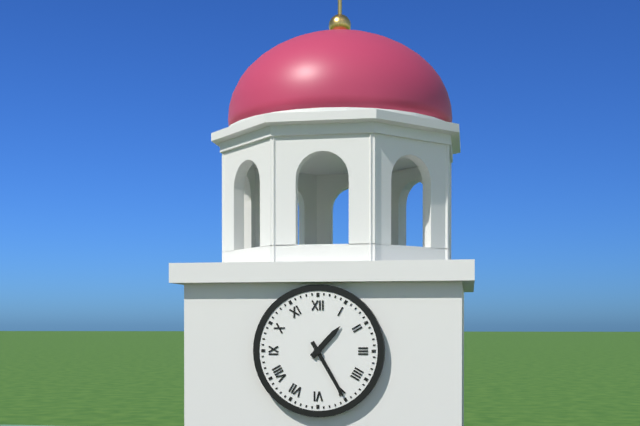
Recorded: {"hour": 1, "minute": 25}
